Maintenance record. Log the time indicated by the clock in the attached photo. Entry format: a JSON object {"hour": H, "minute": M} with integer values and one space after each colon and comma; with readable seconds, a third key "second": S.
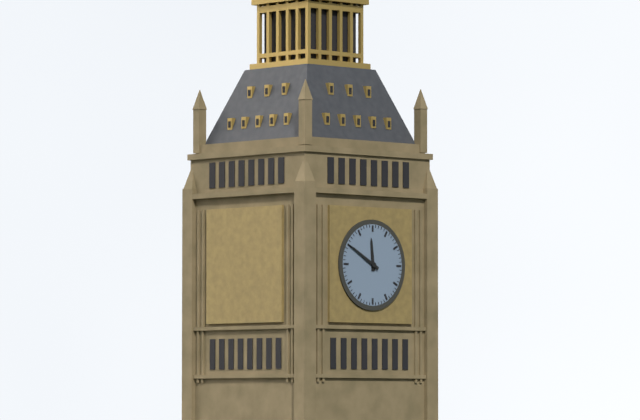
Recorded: {"hour": 11, "minute": 50}
